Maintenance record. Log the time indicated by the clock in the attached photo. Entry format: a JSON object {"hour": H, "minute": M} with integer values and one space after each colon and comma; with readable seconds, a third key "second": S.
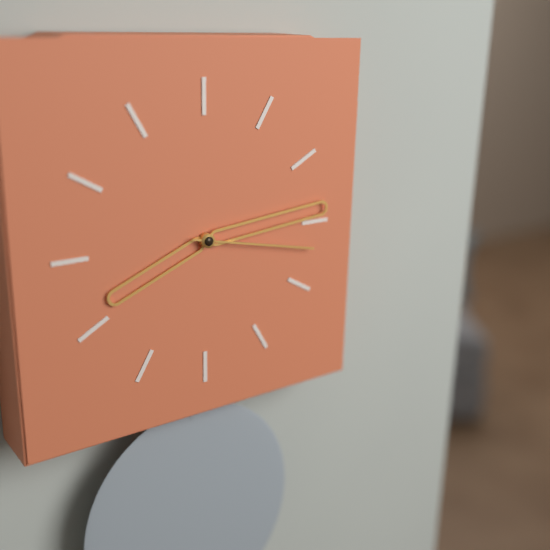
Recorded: {"hour": 8, "minute": 14, "second": 17}
